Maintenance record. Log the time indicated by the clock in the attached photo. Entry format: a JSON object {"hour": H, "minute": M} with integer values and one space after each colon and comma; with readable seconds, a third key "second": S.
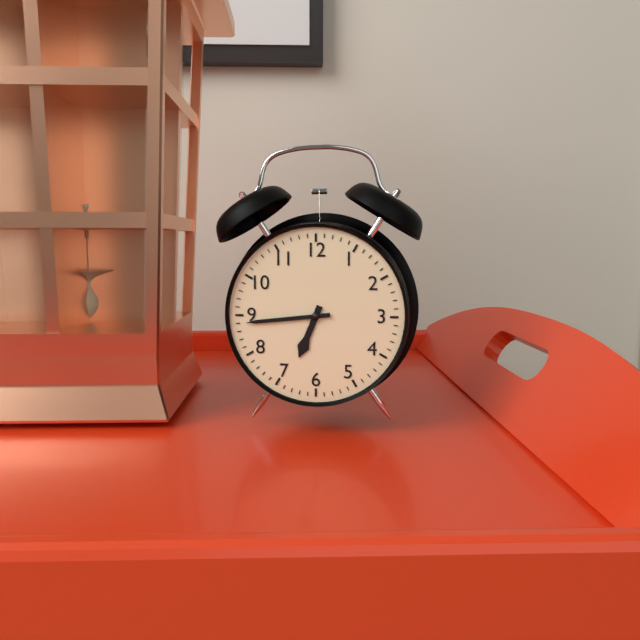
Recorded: {"hour": 6, "minute": 44}
